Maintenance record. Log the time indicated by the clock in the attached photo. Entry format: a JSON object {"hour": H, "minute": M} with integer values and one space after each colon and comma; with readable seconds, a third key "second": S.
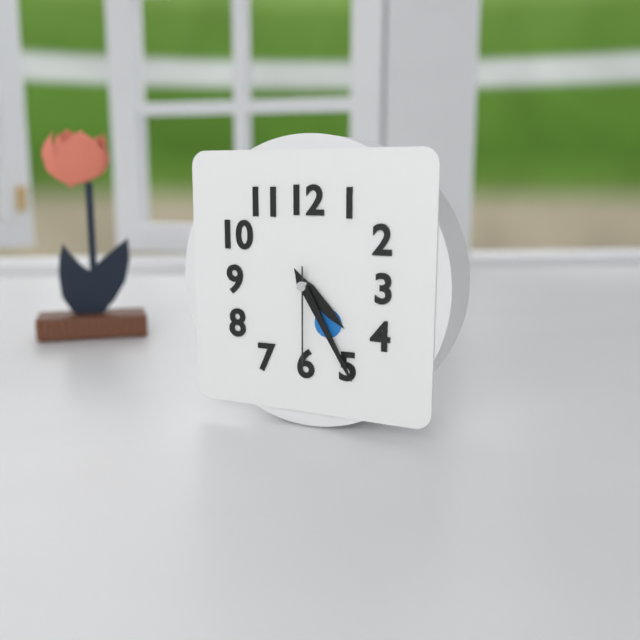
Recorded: {"hour": 4, "minute": 25, "second": 30}
